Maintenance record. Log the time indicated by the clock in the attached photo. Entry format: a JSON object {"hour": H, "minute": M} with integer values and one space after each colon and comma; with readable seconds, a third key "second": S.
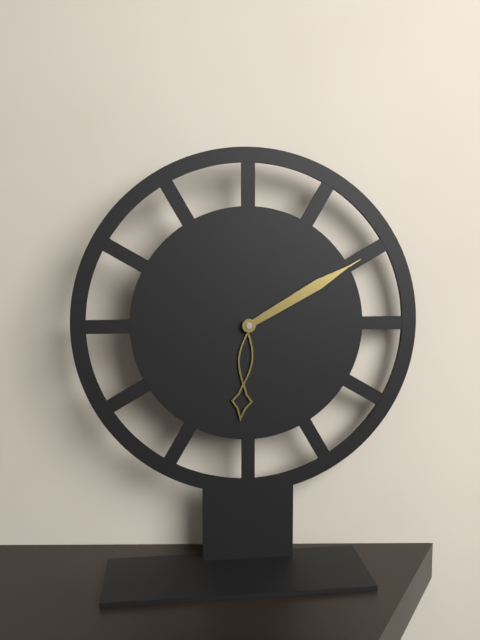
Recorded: {"hour": 6, "minute": 10}
